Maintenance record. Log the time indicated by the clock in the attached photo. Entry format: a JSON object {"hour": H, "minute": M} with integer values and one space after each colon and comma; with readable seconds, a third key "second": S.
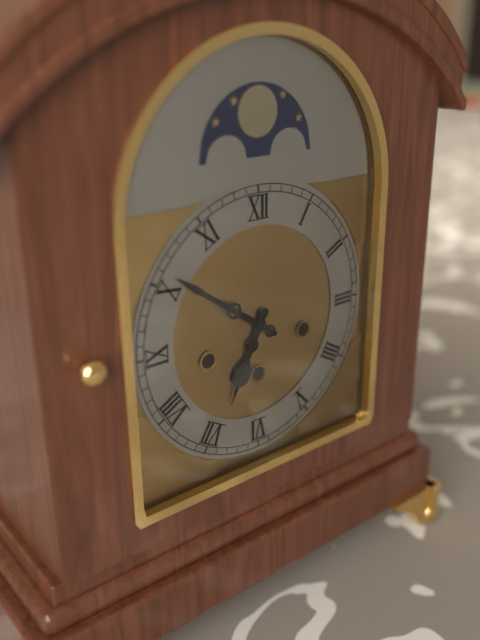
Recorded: {"hour": 6, "minute": 51}
